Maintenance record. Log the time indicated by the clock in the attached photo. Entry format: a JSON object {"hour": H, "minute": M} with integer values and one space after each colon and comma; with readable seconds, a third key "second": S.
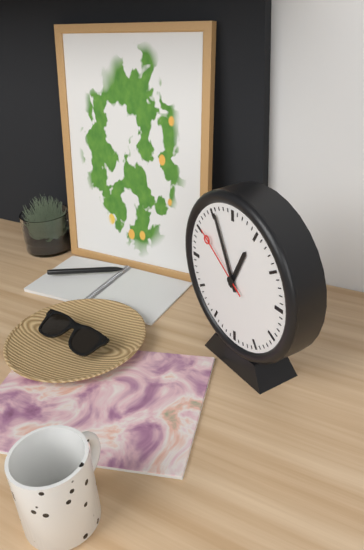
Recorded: {"hour": 12, "minute": 56, "second": 51}
